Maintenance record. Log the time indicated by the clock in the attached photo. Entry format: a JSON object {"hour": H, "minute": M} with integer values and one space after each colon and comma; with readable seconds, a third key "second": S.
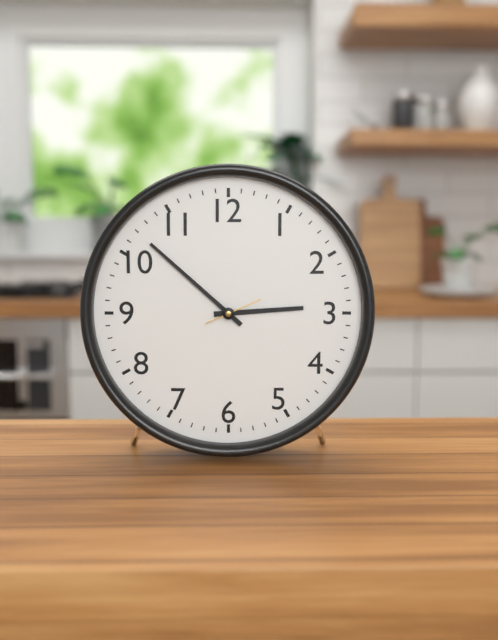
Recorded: {"hour": 2, "minute": 52}
